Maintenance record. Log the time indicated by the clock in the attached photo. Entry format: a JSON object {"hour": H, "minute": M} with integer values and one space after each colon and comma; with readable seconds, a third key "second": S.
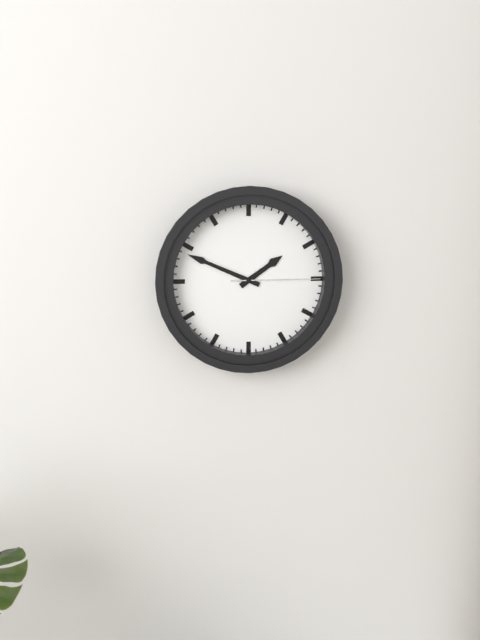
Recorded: {"hour": 1, "minute": 49, "second": 15}
